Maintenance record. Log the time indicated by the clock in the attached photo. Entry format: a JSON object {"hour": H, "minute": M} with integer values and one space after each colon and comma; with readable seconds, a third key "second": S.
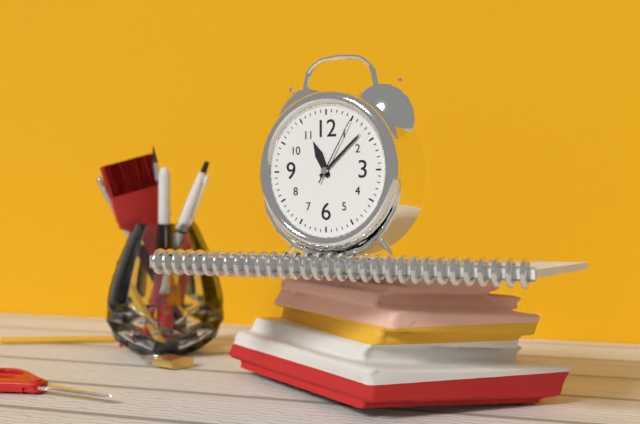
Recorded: {"hour": 11, "minute": 8, "second": 5}
